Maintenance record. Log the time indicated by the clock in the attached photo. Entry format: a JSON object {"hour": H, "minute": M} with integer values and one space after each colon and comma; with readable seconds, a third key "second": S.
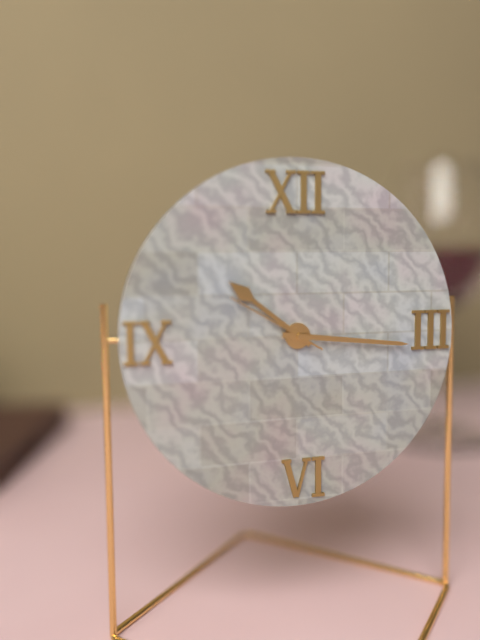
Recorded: {"hour": 10, "minute": 16, "second": 50}
